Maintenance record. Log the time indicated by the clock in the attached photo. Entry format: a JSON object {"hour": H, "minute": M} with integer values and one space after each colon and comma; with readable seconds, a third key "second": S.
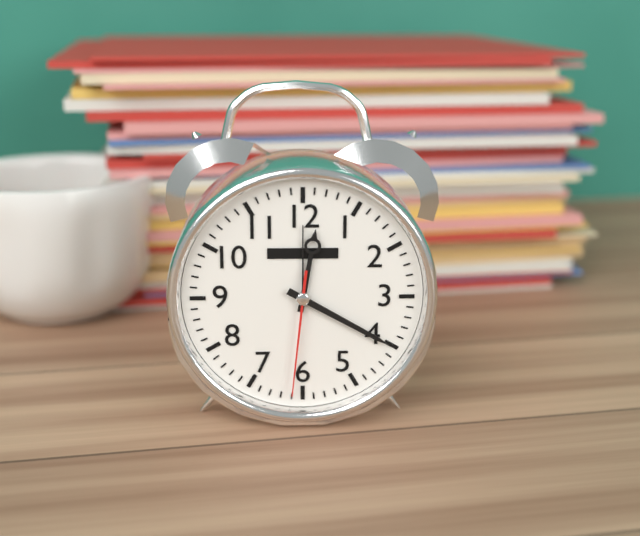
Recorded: {"hour": 12, "minute": 20, "second": 31}
